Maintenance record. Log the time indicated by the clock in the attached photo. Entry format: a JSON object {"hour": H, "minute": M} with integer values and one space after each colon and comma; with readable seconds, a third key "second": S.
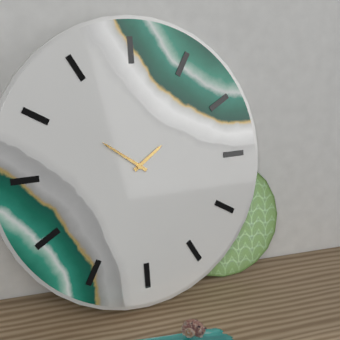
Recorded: {"hour": 1, "minute": 51}
